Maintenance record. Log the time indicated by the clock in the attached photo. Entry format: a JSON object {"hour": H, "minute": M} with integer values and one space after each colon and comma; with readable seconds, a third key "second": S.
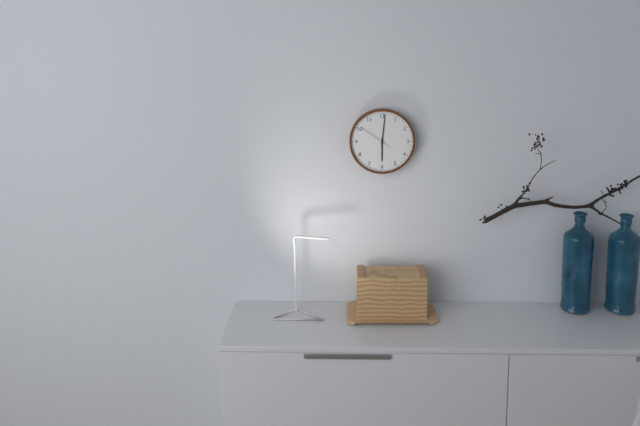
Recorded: {"hour": 6, "minute": 1}
